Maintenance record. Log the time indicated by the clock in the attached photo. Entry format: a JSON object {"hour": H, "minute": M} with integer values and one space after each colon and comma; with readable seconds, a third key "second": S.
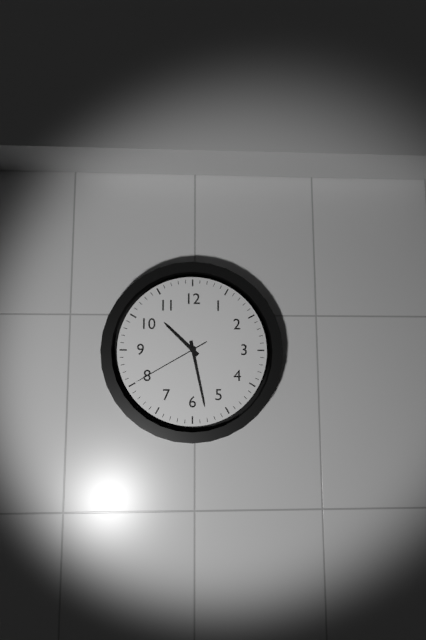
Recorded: {"hour": 10, "minute": 28, "second": 40}
